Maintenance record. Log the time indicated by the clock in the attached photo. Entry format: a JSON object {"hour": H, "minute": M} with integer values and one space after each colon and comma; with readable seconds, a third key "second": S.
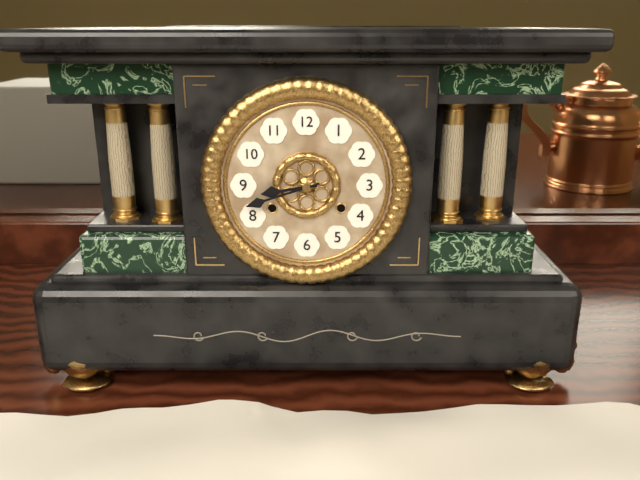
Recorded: {"hour": 8, "minute": 42}
